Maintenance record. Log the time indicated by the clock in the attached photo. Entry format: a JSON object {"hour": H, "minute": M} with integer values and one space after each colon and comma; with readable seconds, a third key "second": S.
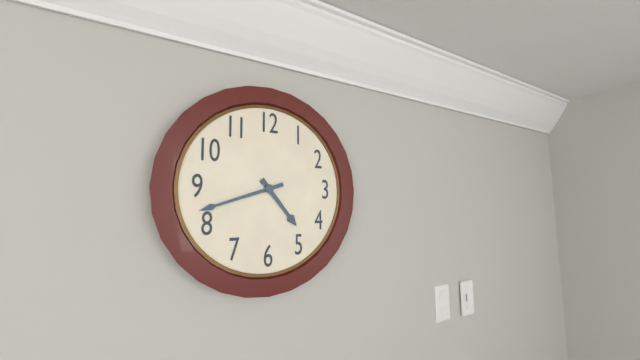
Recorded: {"hour": 4, "minute": 42}
